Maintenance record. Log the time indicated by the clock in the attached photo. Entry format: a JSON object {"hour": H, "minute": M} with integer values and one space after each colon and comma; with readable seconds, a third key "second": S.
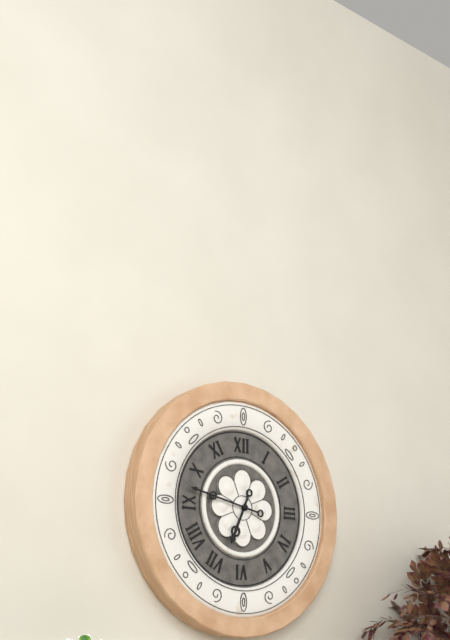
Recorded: {"hour": 6, "minute": 47}
